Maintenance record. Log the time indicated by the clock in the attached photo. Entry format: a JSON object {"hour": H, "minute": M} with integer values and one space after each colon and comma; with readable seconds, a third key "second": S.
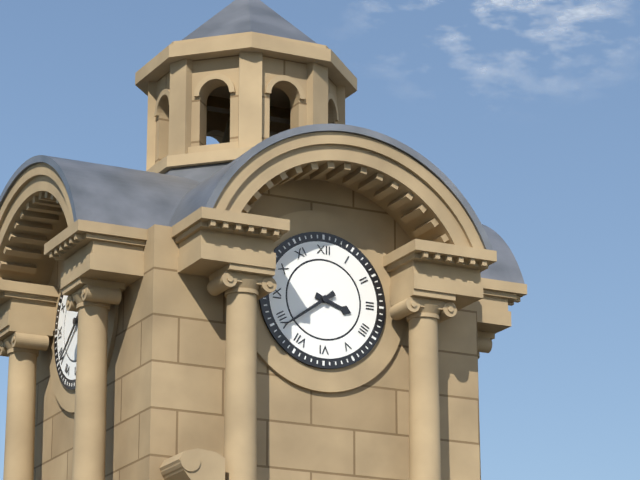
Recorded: {"hour": 3, "minute": 39}
